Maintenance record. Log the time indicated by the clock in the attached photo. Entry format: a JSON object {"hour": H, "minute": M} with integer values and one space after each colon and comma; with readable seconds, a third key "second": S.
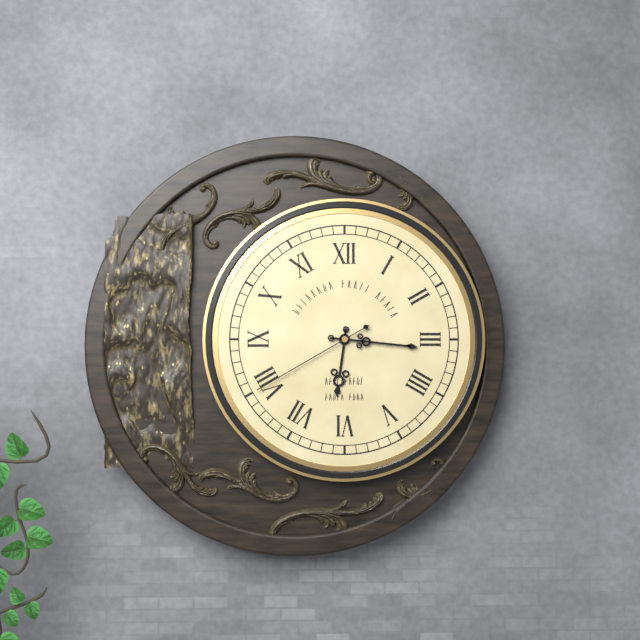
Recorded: {"hour": 6, "minute": 16, "second": 40}
